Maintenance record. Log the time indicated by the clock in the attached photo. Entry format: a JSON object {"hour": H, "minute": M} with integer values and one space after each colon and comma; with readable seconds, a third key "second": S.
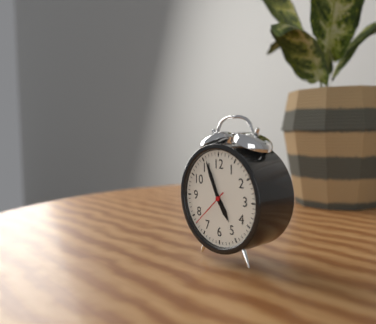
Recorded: {"hour": 4, "minute": 56, "second": 38}
